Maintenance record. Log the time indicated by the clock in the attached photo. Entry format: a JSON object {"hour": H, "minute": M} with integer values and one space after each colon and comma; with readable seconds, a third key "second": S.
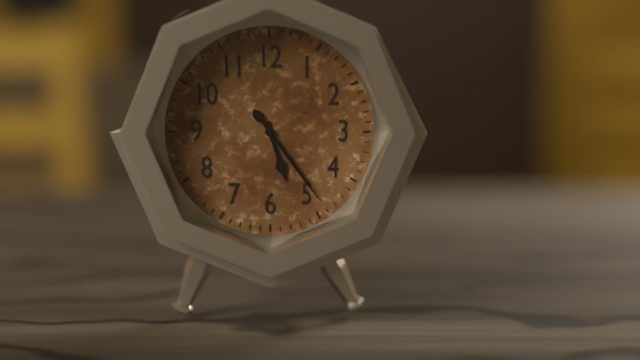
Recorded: {"hour": 5, "minute": 24}
